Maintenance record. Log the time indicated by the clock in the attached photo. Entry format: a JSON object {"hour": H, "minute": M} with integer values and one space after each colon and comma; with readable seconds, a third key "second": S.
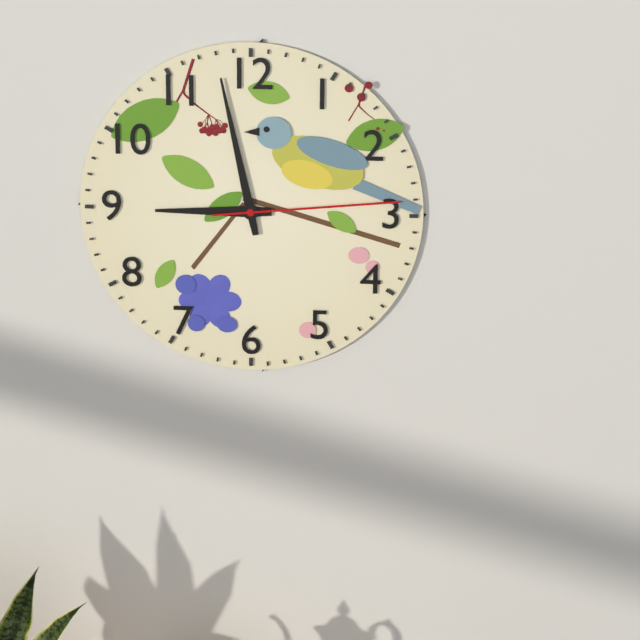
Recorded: {"hour": 8, "minute": 58, "second": 14}
